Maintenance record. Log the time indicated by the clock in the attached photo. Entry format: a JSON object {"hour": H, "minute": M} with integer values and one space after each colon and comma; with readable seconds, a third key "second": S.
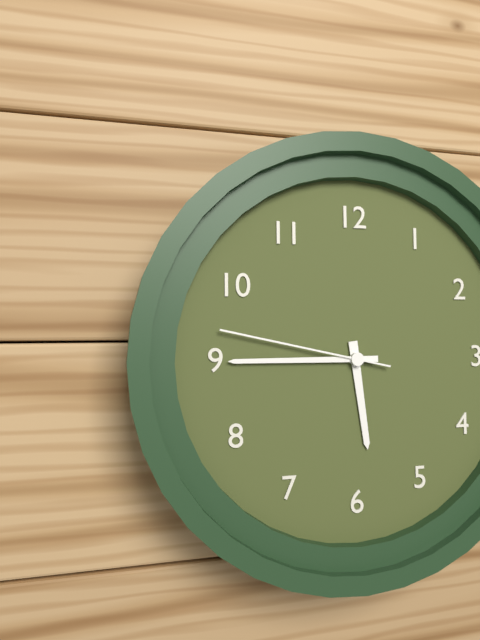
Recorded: {"hour": 5, "minute": 45, "second": 47}
